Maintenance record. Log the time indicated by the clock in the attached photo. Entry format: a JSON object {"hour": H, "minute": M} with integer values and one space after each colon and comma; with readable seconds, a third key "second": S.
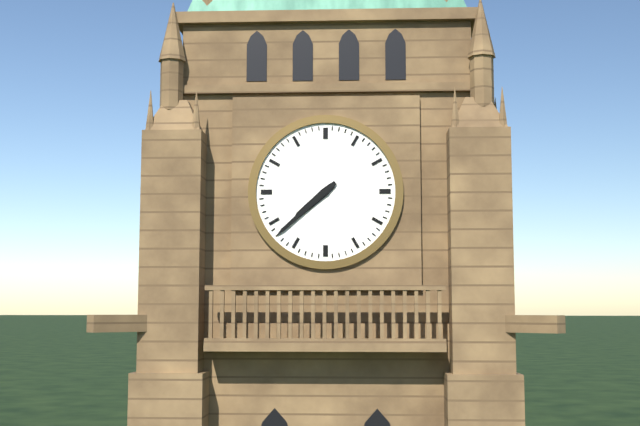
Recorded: {"hour": 7, "minute": 38}
